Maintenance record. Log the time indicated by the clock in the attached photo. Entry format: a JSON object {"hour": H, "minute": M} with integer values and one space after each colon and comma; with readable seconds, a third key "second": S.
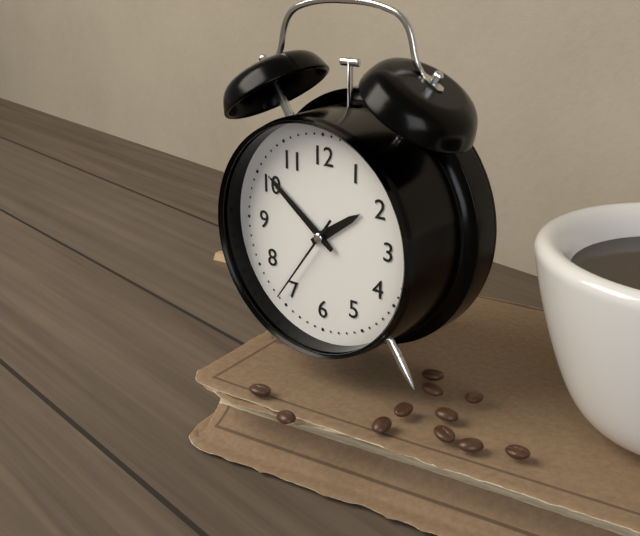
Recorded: {"hour": 1, "minute": 51, "second": 36}
